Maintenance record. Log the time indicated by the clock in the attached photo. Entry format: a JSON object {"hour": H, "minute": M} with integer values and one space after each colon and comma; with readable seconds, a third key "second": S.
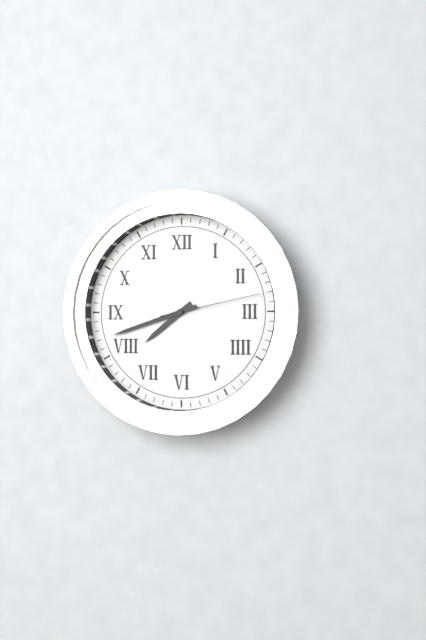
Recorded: {"hour": 7, "minute": 42, "second": 13}
